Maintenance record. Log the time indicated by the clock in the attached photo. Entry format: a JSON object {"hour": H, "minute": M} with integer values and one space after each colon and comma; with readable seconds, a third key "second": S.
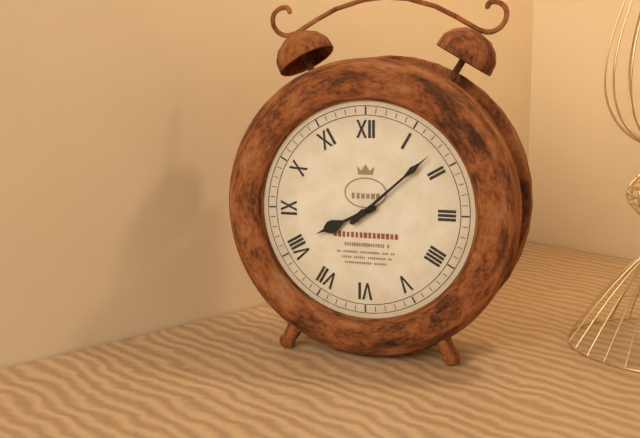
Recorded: {"hour": 8, "minute": 8}
